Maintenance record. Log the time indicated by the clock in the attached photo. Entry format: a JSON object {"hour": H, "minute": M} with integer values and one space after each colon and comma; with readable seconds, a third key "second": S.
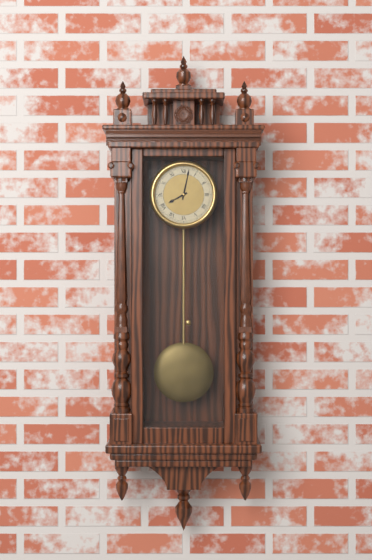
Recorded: {"hour": 8, "minute": 2}
